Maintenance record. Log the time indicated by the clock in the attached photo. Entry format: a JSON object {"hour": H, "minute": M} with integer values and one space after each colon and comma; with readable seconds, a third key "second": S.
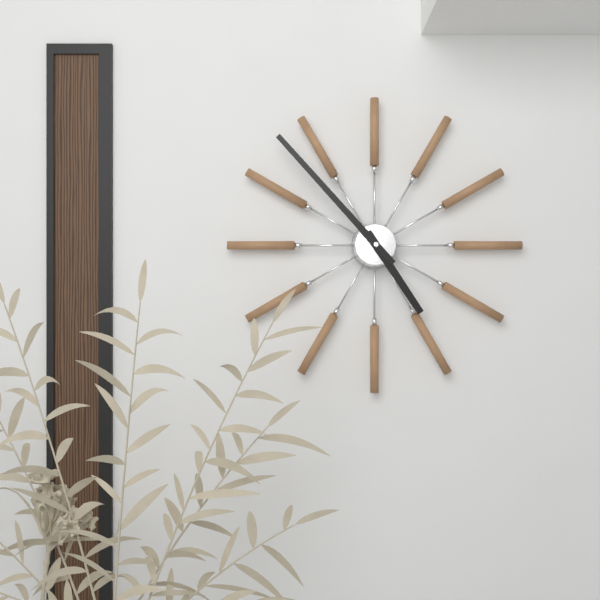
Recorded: {"hour": 4, "minute": 53}
